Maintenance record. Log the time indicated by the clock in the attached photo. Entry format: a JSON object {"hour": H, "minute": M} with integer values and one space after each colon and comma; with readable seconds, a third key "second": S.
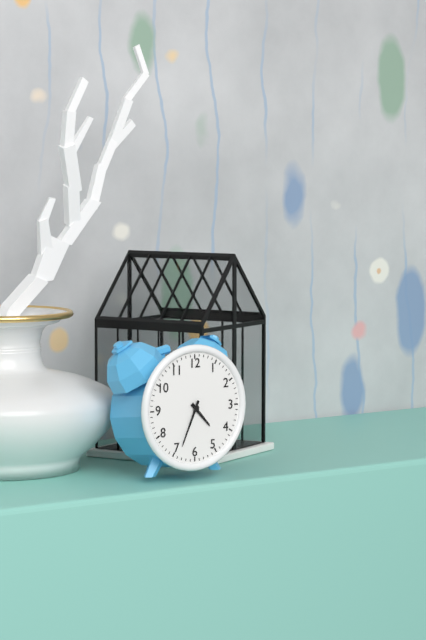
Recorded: {"hour": 4, "minute": 34}
